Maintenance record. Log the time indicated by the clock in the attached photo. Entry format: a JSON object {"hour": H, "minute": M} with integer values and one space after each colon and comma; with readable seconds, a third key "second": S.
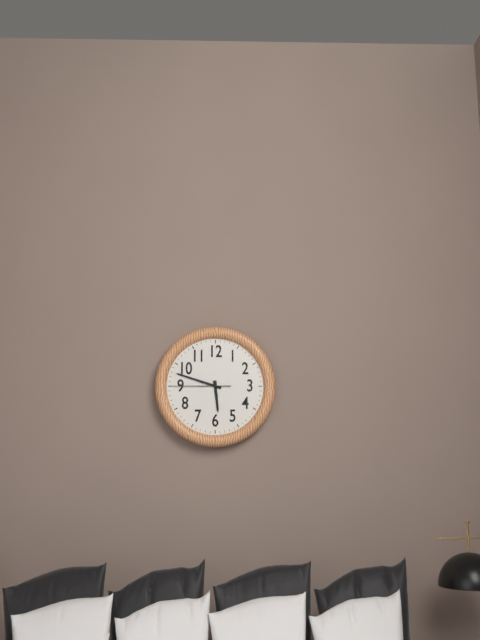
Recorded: {"hour": 5, "minute": 48, "second": 45}
